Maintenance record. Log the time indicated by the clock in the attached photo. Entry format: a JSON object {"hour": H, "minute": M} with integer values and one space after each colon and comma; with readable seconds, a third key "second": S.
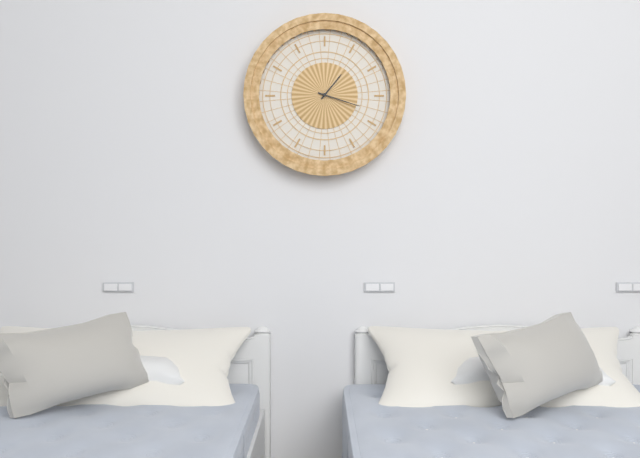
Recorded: {"hour": 1, "minute": 18}
